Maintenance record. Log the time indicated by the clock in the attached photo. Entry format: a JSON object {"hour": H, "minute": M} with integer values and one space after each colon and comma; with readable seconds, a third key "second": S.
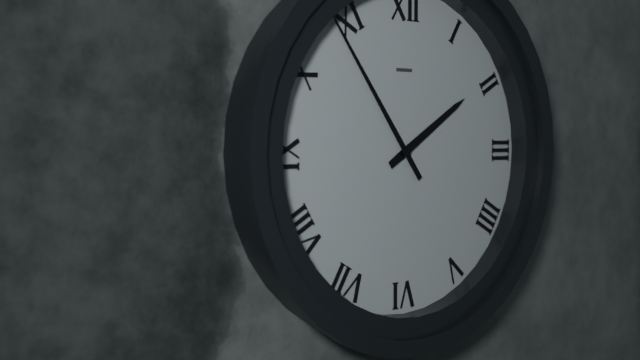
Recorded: {"hour": 1, "minute": 54}
